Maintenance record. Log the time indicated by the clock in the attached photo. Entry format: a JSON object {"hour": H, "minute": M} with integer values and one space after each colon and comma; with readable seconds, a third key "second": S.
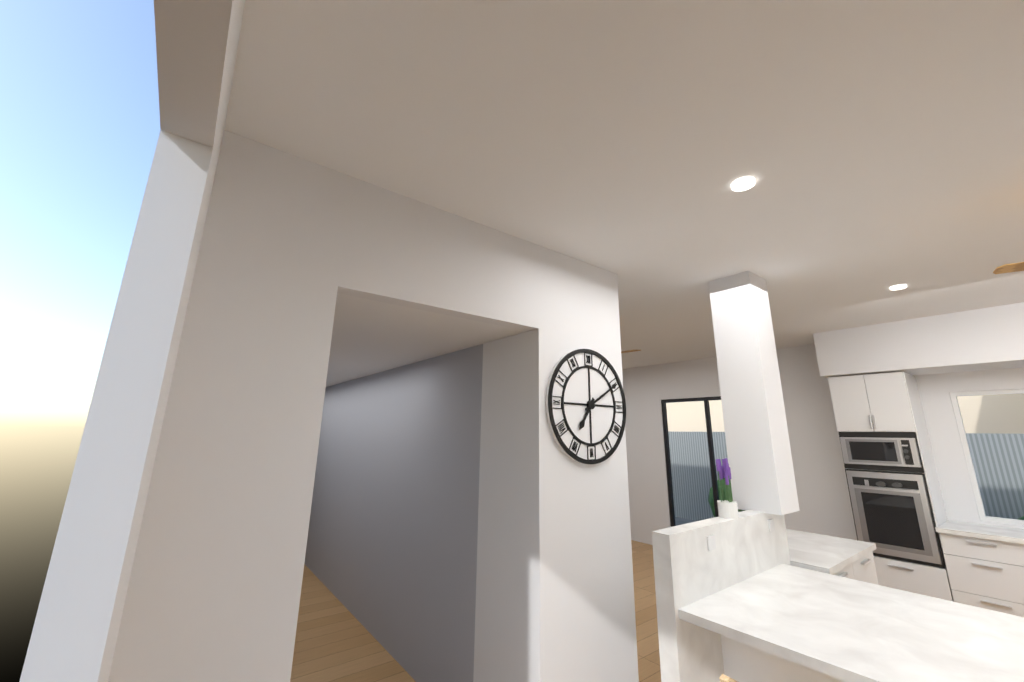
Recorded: {"hour": 7, "minute": 10}
